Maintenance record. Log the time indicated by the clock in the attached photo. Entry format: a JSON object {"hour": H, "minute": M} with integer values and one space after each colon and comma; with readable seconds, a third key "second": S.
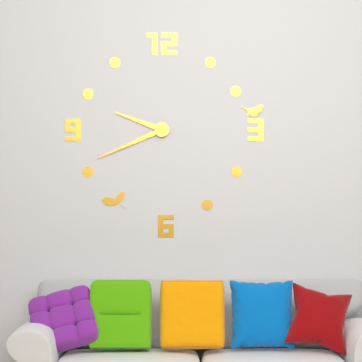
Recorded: {"hour": 9, "minute": 41}
